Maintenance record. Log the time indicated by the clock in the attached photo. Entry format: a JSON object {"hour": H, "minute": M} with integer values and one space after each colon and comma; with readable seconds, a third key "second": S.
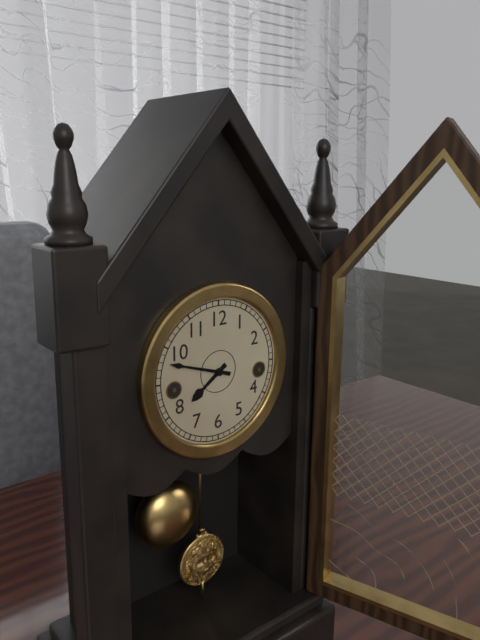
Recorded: {"hour": 7, "minute": 48}
